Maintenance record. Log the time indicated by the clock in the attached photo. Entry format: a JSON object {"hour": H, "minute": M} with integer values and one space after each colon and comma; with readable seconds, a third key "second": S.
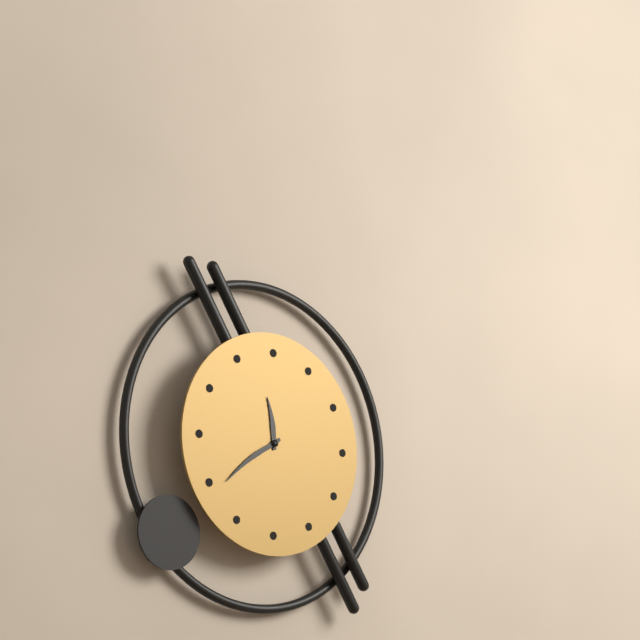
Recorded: {"hour": 11, "minute": 39}
